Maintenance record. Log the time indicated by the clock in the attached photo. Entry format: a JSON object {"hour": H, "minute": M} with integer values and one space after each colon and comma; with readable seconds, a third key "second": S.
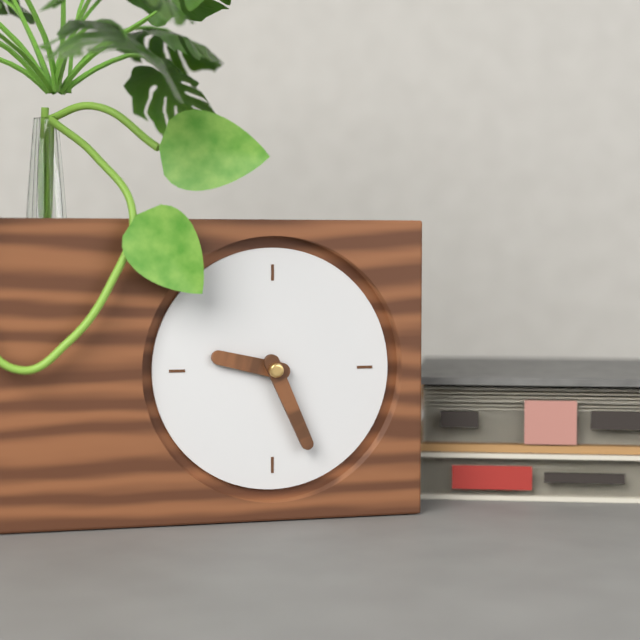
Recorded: {"hour": 9, "minute": 26}
